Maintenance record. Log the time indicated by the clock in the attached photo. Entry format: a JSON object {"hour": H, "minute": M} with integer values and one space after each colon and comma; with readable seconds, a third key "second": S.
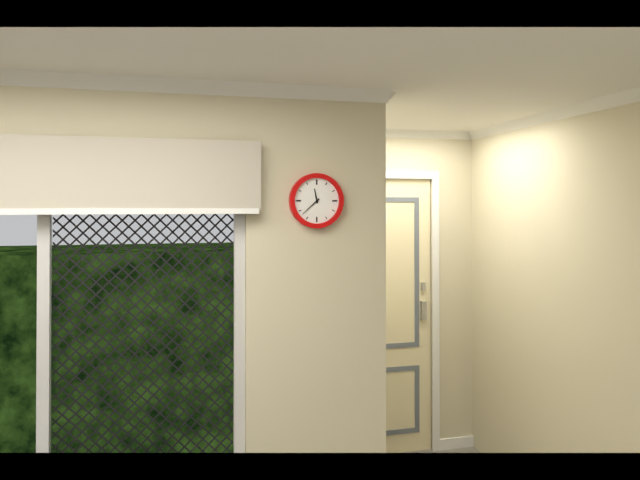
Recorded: {"hour": 11, "minute": 38}
